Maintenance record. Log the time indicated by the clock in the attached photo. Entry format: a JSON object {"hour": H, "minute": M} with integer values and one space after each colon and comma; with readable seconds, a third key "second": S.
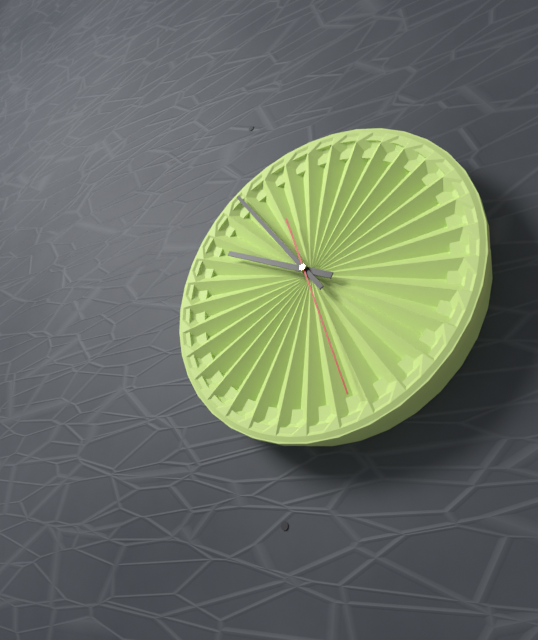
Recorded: {"hour": 9, "minute": 54, "second": 27}
